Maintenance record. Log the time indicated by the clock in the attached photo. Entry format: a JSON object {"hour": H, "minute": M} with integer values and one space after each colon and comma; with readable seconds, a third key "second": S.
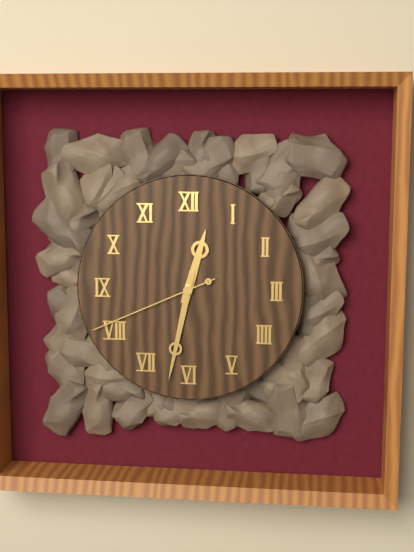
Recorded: {"hour": 12, "minute": 32, "second": 41}
